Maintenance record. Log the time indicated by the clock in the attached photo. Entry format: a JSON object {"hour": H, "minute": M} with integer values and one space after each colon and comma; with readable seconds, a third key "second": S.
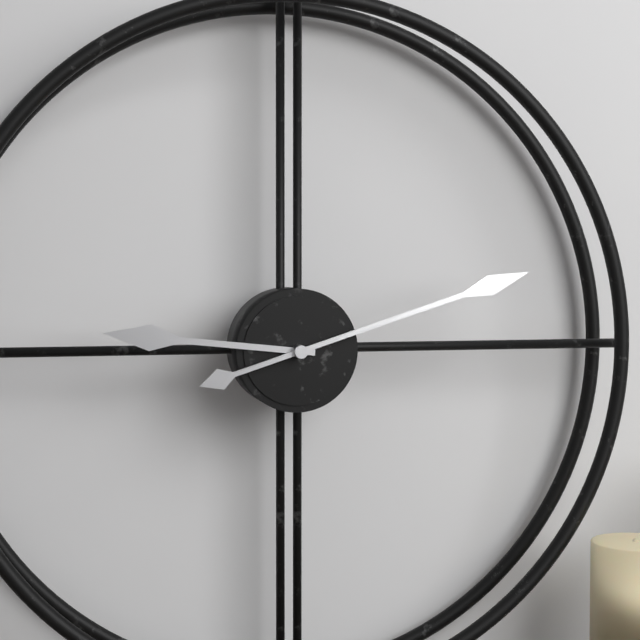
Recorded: {"hour": 9, "minute": 12}
